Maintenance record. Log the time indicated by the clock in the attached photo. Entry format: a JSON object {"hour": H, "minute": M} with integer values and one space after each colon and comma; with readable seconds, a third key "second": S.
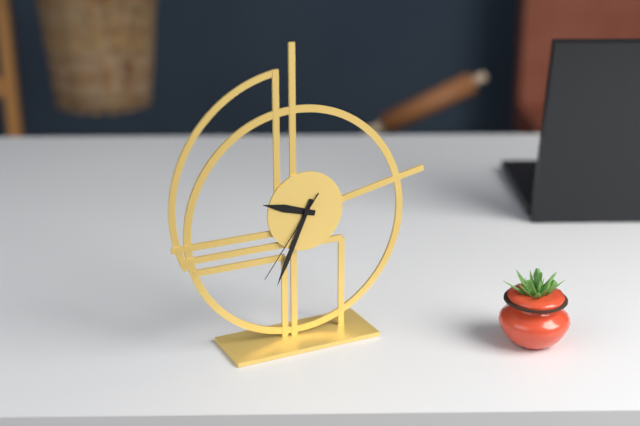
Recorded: {"hour": 9, "minute": 34, "second": 36}
